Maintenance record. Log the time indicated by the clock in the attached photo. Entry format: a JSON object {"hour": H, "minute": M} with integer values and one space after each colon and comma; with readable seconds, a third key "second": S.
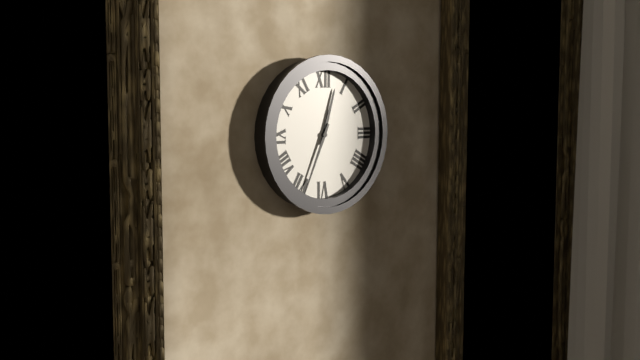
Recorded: {"hour": 12, "minute": 34}
